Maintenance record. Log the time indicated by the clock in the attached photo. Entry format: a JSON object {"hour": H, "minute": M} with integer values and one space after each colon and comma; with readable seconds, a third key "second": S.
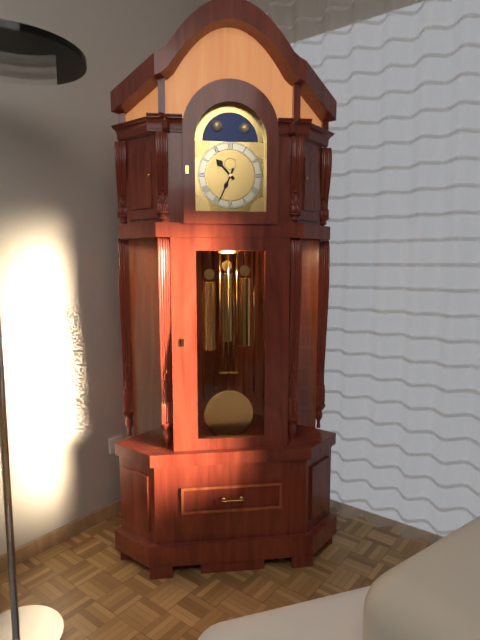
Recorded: {"hour": 10, "minute": 34}
